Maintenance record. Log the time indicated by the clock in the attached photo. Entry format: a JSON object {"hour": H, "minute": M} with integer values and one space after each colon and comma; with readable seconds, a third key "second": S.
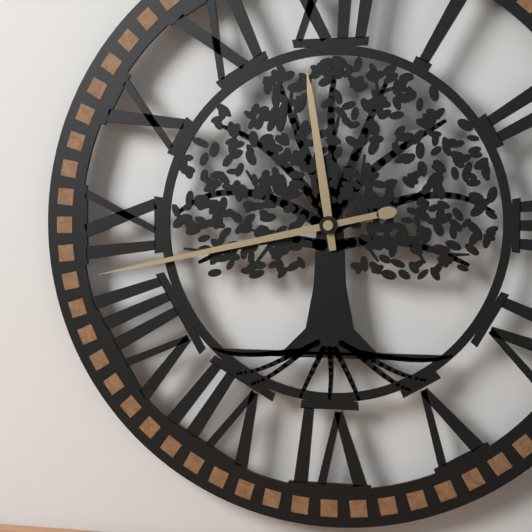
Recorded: {"hour": 11, "minute": 43}
